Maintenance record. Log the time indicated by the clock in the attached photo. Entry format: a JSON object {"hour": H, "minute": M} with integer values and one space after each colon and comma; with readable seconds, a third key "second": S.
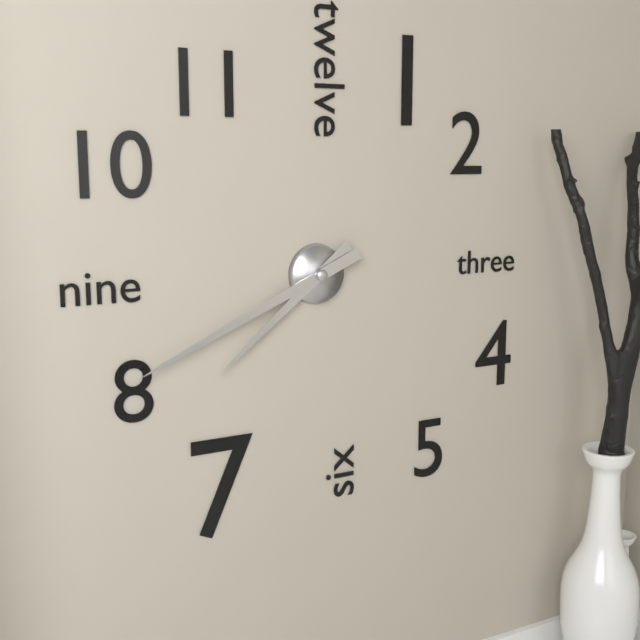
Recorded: {"hour": 7, "minute": 41}
